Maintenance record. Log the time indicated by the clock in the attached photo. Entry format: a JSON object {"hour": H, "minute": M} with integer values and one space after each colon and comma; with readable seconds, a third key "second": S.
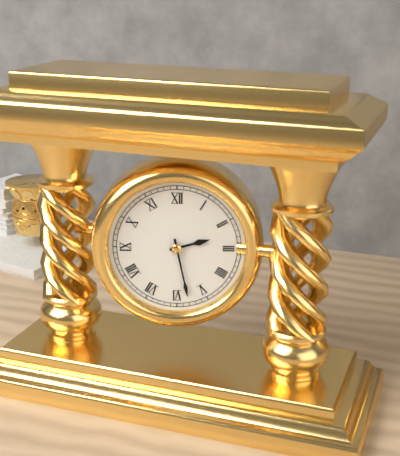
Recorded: {"hour": 2, "minute": 28}
